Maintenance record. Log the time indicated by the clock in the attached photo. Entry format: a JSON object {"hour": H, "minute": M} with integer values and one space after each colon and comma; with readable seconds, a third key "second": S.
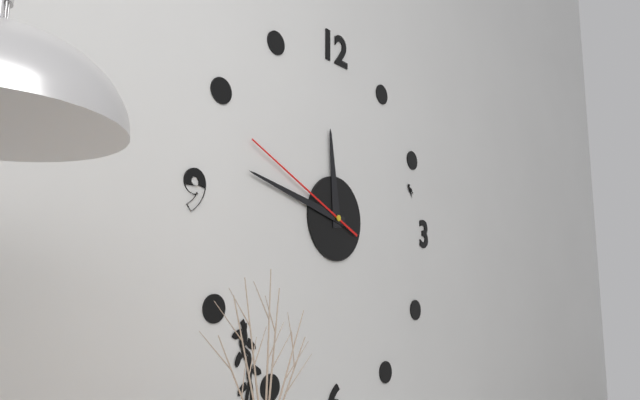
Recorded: {"hour": 11, "minute": 47, "second": 49}
